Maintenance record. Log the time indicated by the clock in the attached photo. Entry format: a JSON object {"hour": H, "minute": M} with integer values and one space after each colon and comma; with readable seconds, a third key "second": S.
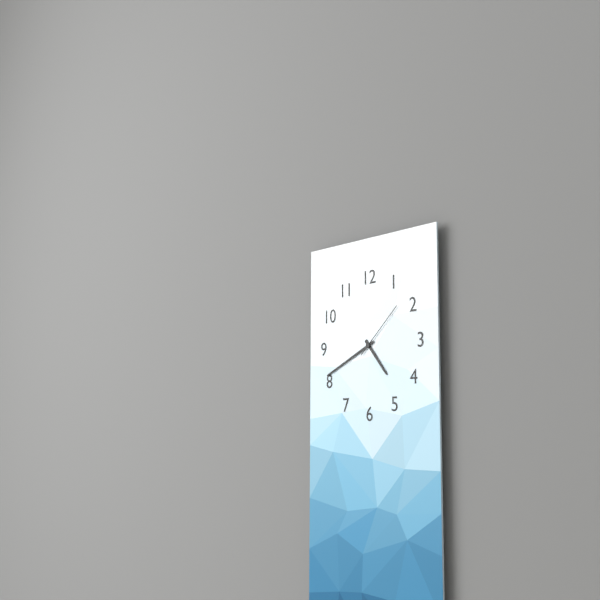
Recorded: {"hour": 4, "minute": 41, "second": 8}
